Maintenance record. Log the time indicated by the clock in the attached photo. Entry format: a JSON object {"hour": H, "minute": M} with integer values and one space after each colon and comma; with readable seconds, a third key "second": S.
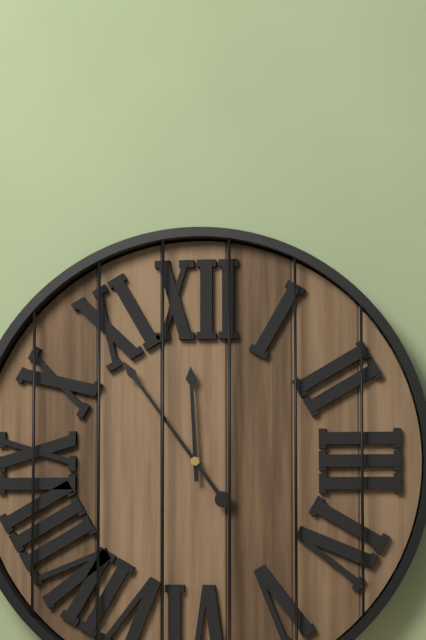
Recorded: {"hour": 11, "minute": 54}
